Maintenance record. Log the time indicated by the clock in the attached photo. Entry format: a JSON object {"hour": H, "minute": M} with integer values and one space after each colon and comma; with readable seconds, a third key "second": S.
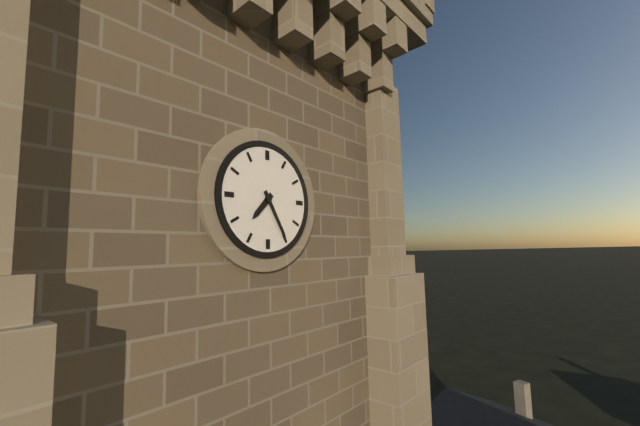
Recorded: {"hour": 7, "minute": 25}
